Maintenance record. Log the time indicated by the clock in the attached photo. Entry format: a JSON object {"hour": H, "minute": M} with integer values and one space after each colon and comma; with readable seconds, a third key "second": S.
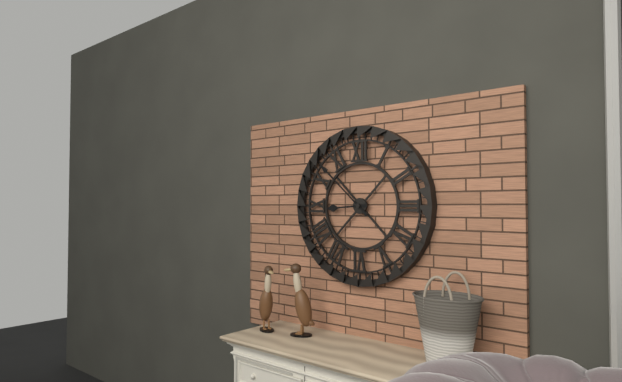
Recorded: {"hour": 8, "minute": 52}
